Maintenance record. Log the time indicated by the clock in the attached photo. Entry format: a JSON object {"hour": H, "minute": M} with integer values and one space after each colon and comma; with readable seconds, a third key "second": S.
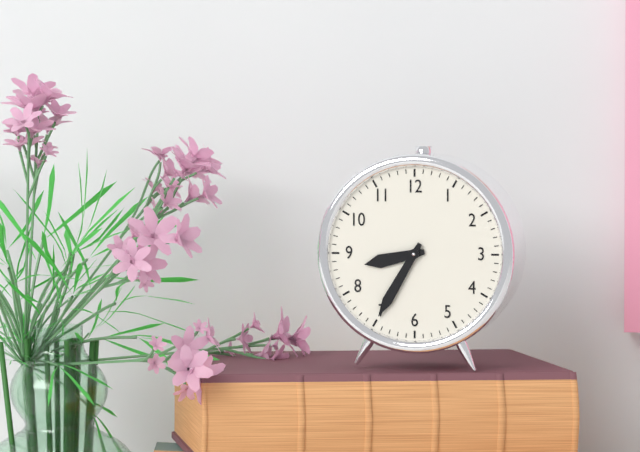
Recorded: {"hour": 8, "minute": 35}
